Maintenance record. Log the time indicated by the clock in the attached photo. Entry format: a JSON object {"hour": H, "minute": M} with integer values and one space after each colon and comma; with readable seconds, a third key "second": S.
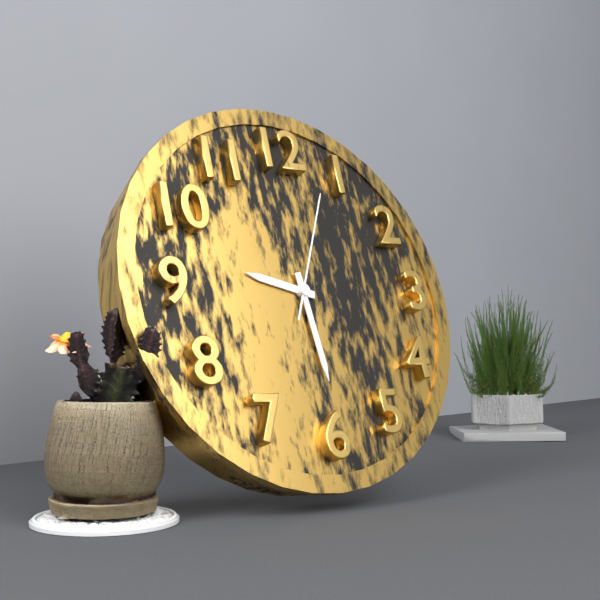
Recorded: {"hour": 9, "minute": 29, "second": 4}
